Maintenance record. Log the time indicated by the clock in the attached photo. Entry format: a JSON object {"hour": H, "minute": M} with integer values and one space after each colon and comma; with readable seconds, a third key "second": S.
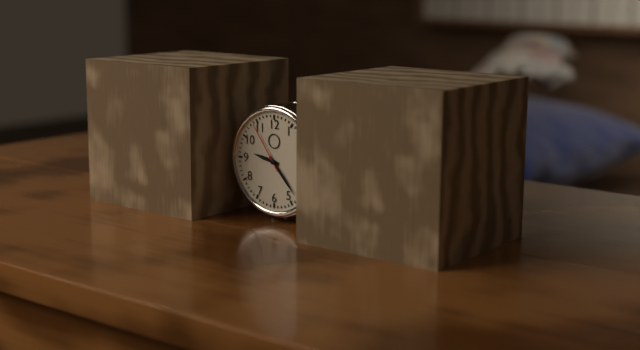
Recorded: {"hour": 9, "minute": 23, "second": 54}
